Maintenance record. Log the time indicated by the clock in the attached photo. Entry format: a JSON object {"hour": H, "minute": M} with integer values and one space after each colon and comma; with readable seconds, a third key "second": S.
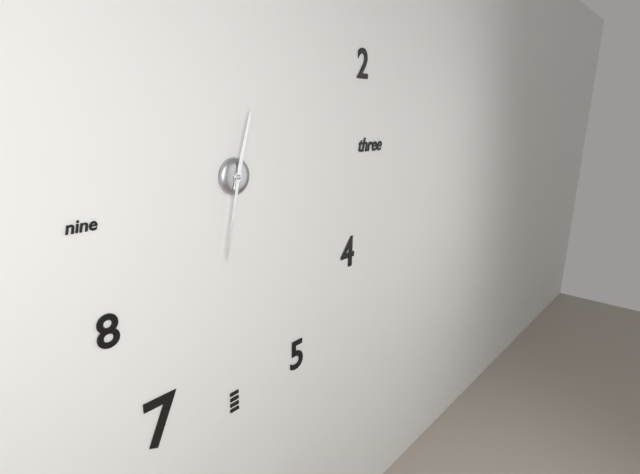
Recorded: {"hour": 12, "minute": 32}
